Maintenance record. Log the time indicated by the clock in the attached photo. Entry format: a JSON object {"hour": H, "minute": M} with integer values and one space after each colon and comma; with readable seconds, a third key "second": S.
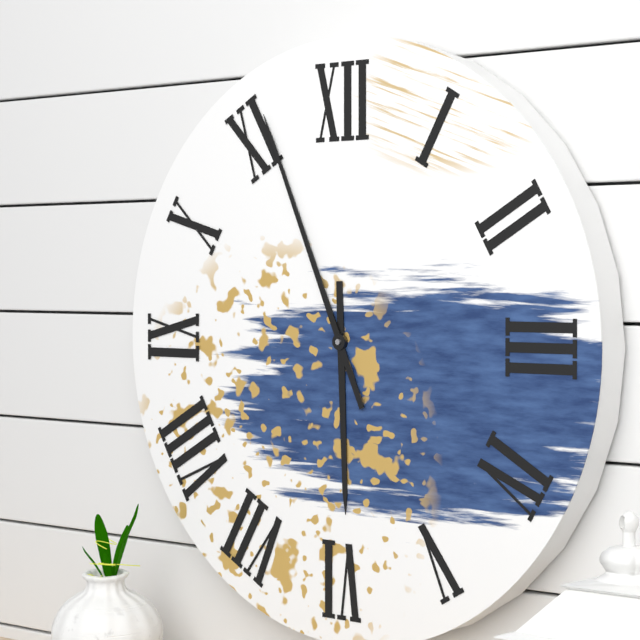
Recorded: {"hour": 5, "minute": 56}
